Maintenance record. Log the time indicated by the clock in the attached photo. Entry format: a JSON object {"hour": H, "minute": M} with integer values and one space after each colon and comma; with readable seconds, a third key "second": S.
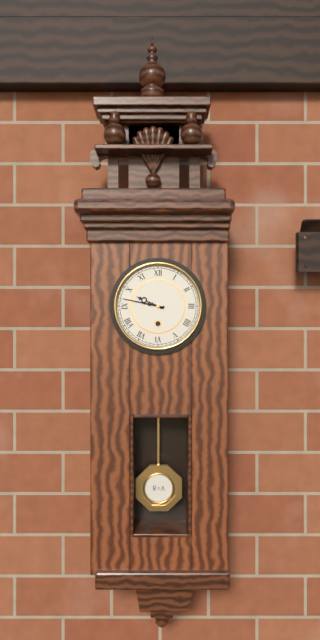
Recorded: {"hour": 9, "minute": 47}
